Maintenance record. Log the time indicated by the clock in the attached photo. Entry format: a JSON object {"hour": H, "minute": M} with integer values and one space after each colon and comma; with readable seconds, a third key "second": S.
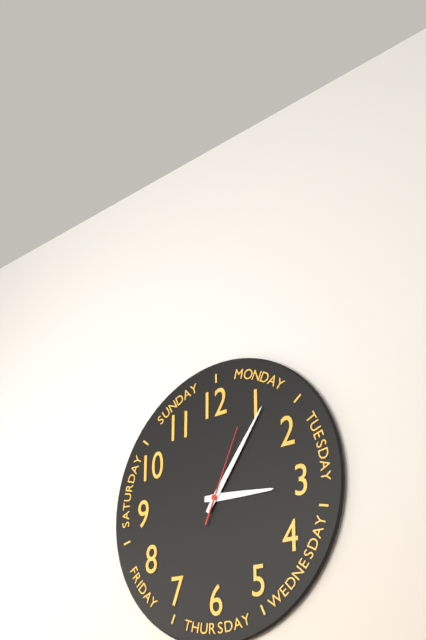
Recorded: {"hour": 3, "minute": 6, "second": 4}
